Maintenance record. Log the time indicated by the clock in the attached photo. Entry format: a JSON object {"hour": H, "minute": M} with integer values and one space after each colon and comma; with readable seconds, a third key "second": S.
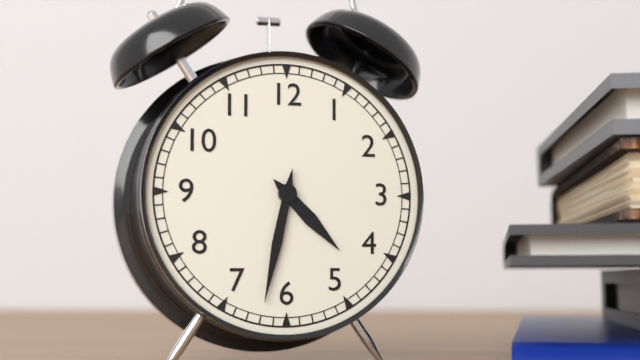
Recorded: {"hour": 4, "minute": 32}
